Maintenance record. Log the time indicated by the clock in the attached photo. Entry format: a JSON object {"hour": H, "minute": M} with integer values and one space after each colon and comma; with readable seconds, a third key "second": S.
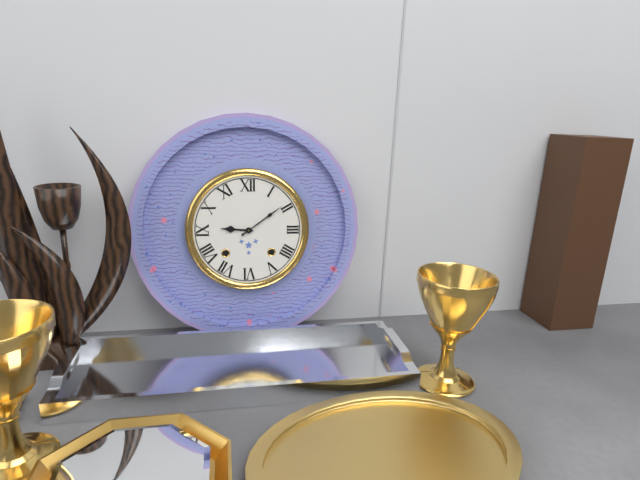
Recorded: {"hour": 9, "minute": 9}
